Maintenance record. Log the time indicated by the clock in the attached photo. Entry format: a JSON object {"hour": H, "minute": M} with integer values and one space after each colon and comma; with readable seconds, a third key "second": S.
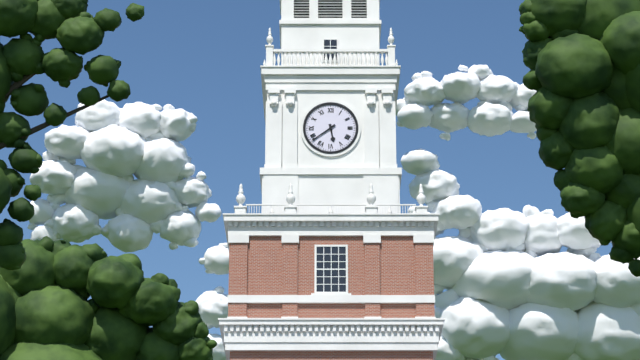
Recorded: {"hour": 5, "minute": 39}
